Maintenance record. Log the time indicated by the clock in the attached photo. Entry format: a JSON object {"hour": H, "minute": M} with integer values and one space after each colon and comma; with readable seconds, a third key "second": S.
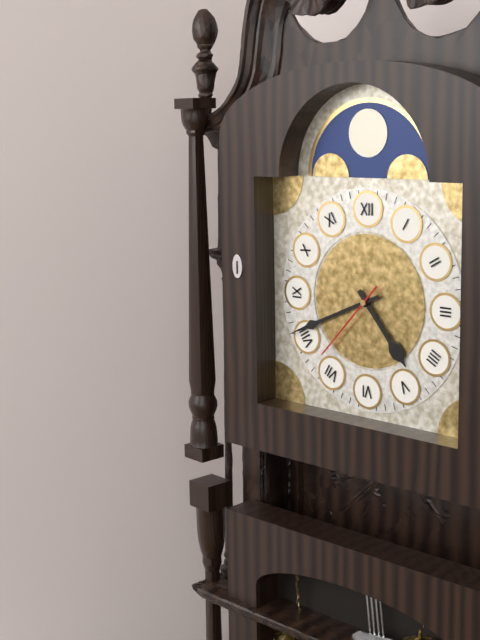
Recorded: {"hour": 4, "minute": 41, "second": 37}
